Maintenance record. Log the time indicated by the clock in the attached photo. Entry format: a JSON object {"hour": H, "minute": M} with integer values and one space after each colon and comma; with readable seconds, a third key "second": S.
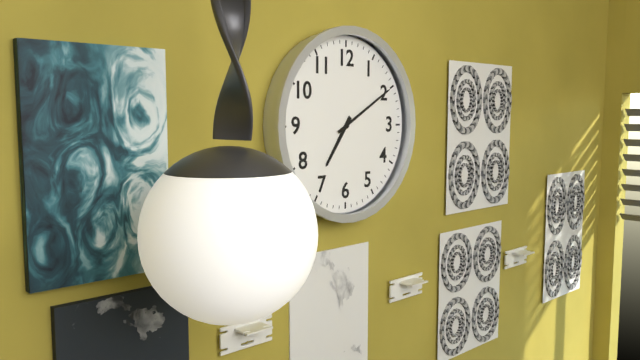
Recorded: {"hour": 7, "minute": 10}
